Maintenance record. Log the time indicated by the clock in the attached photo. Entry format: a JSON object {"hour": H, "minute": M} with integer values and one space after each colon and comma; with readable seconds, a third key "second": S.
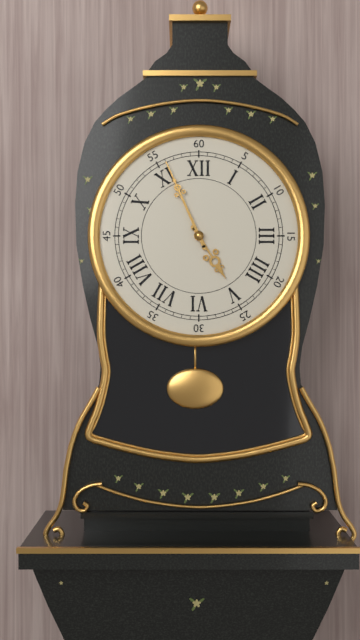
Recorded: {"hour": 4, "minute": 56}
